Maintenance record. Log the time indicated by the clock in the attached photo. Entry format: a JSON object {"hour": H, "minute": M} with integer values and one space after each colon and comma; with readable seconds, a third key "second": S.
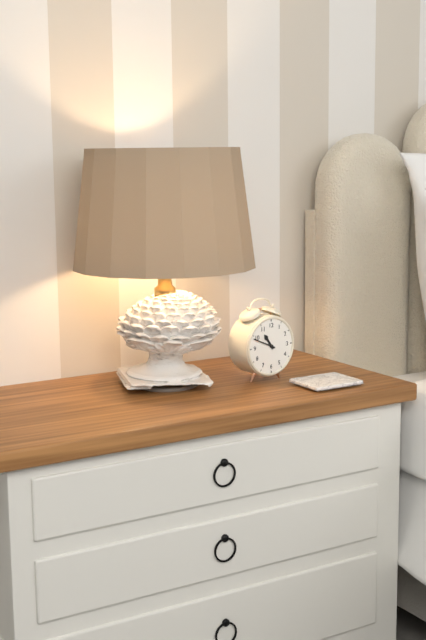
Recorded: {"hour": 10, "minute": 49}
